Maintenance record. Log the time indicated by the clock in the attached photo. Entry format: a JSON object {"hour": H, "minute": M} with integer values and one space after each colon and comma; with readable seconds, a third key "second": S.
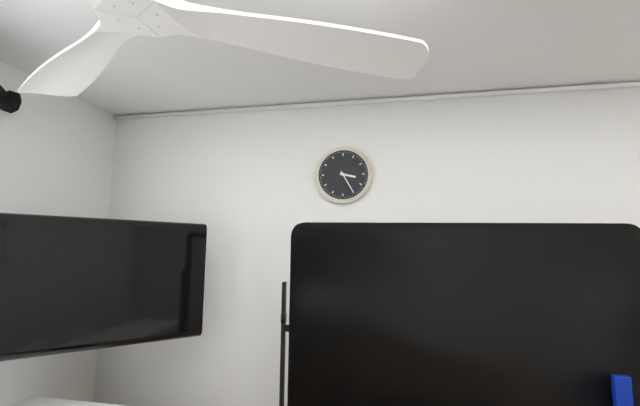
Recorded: {"hour": 3, "minute": 25}
